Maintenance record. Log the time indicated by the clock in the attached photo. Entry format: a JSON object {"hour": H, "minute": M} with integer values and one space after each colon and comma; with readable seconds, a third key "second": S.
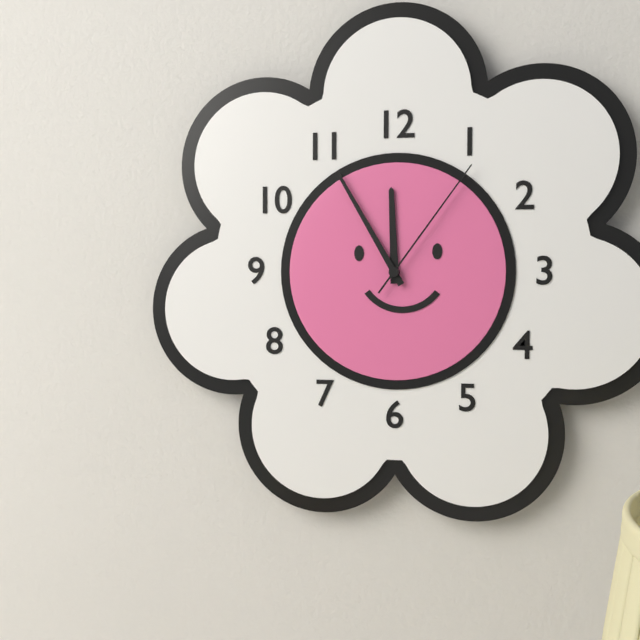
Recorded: {"hour": 11, "minute": 55, "second": 6}
